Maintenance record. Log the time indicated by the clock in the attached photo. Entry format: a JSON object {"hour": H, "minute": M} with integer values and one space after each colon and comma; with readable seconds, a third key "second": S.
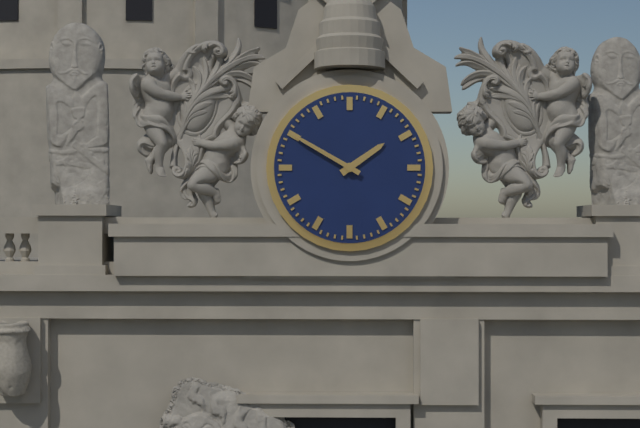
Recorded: {"hour": 1, "minute": 50}
